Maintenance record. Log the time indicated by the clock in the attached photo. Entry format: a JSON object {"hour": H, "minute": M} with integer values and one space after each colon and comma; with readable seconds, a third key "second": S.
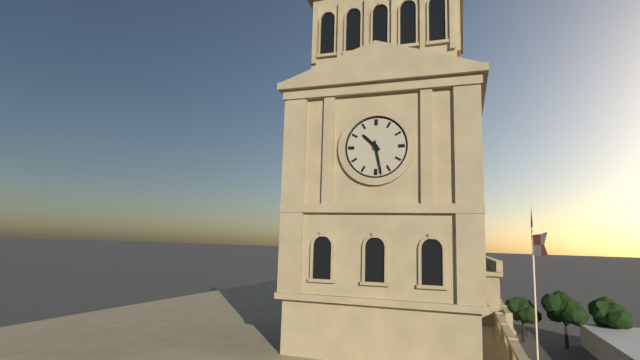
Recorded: {"hour": 10, "minute": 28}
